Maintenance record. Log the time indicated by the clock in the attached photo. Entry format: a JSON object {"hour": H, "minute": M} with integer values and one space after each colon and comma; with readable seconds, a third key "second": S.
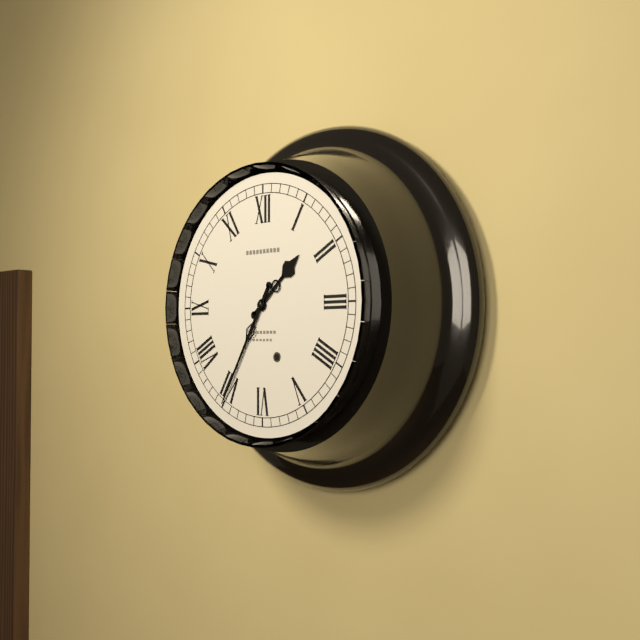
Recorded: {"hour": 1, "minute": 35}
